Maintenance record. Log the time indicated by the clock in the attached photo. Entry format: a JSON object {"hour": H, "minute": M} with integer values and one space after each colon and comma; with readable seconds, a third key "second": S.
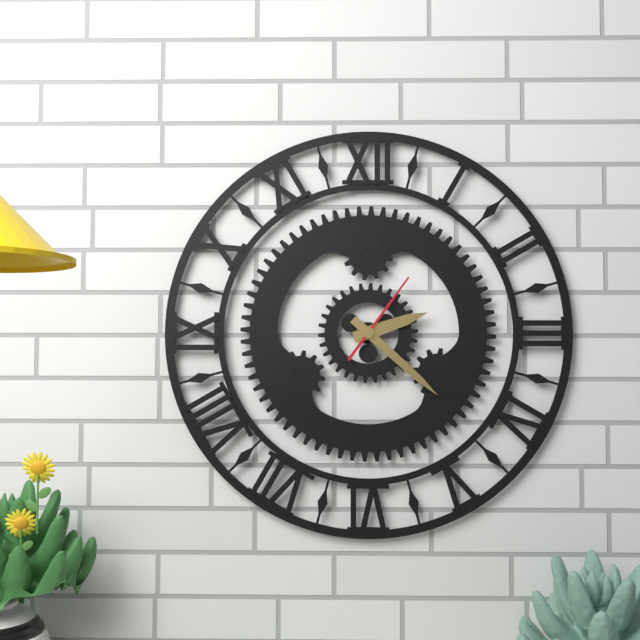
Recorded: {"hour": 2, "minute": 22, "second": 6}
